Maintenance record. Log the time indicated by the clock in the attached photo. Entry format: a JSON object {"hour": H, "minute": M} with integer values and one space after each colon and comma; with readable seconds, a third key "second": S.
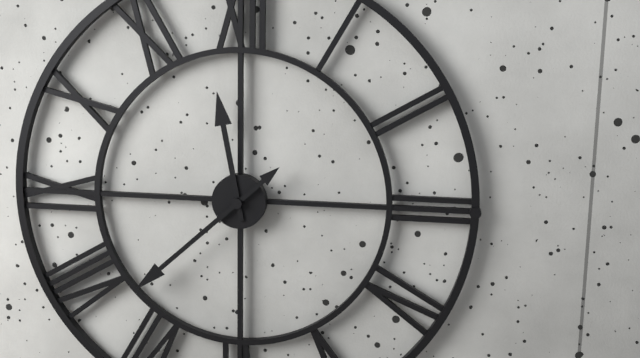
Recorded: {"hour": 11, "minute": 38}
